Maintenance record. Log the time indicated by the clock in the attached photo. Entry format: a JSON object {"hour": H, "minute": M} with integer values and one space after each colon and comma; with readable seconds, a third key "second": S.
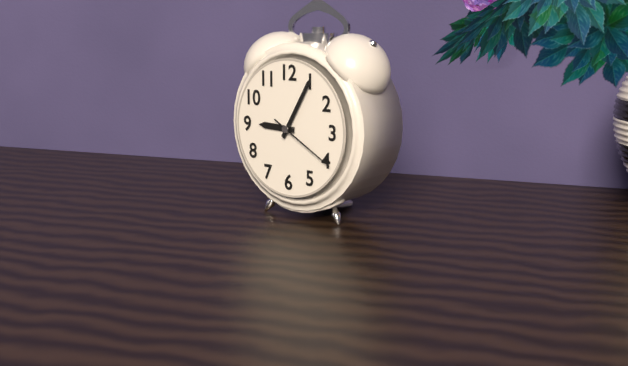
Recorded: {"hour": 9, "minute": 5, "second": 20}
